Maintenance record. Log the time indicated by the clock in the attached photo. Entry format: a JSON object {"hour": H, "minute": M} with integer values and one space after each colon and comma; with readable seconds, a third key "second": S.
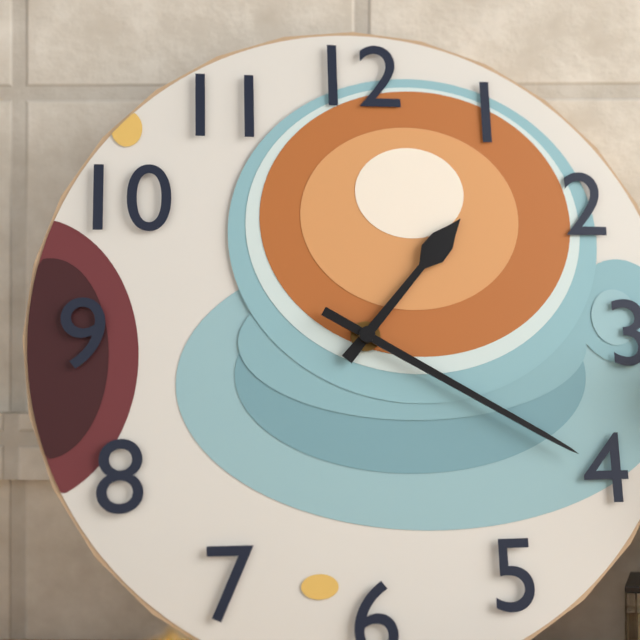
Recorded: {"hour": 1, "minute": 20}
